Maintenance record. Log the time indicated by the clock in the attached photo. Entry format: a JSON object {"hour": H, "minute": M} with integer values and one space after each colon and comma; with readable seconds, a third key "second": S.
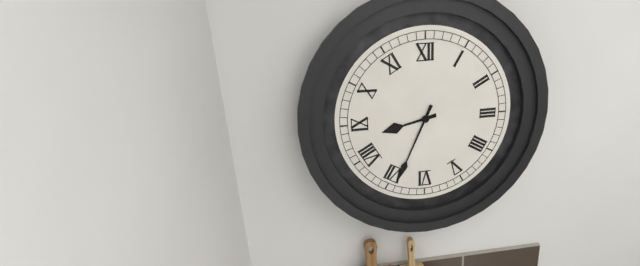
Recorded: {"hour": 8, "minute": 34}
